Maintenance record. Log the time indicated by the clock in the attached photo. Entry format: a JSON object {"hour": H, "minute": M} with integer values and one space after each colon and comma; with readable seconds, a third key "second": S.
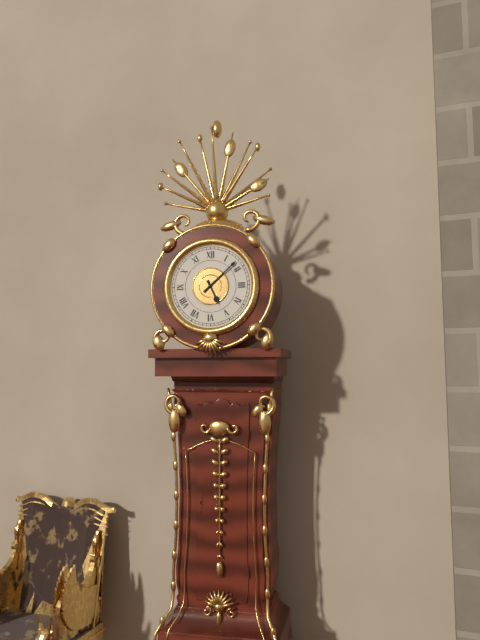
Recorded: {"hour": 5, "minute": 8}
